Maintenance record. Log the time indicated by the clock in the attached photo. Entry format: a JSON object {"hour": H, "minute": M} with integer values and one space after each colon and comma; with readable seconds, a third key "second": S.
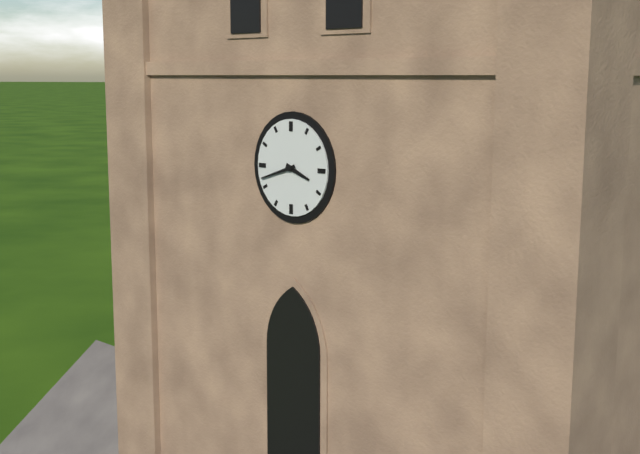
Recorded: {"hour": 3, "minute": 42}
